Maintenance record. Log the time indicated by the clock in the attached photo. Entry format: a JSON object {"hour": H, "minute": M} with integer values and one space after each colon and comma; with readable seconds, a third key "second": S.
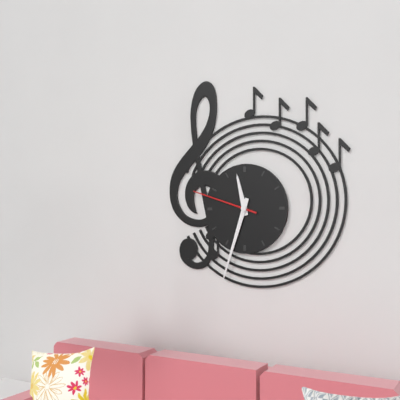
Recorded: {"hour": 11, "minute": 33, "second": 48}
